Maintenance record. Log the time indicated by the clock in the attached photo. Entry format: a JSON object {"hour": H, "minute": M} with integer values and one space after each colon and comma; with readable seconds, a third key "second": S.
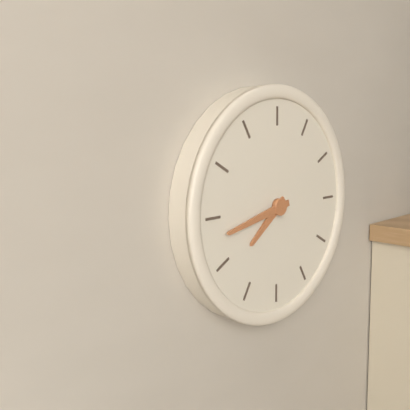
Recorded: {"hour": 7, "minute": 43}
